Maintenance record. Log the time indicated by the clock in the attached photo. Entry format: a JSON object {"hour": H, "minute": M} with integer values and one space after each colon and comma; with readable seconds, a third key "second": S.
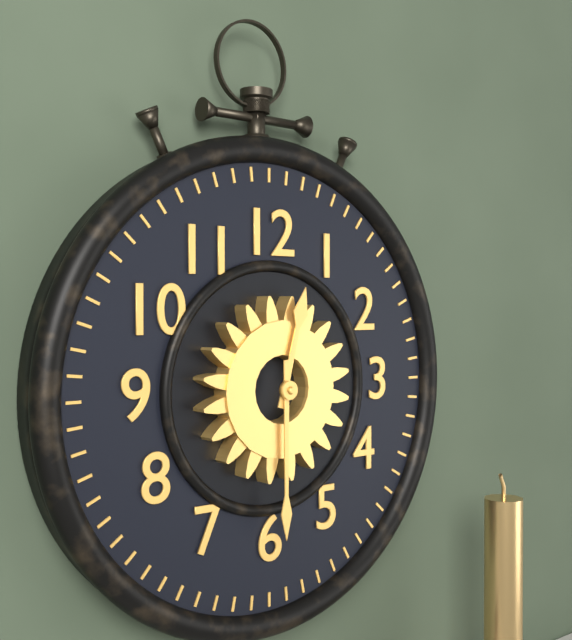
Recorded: {"hour": 12, "minute": 30}
